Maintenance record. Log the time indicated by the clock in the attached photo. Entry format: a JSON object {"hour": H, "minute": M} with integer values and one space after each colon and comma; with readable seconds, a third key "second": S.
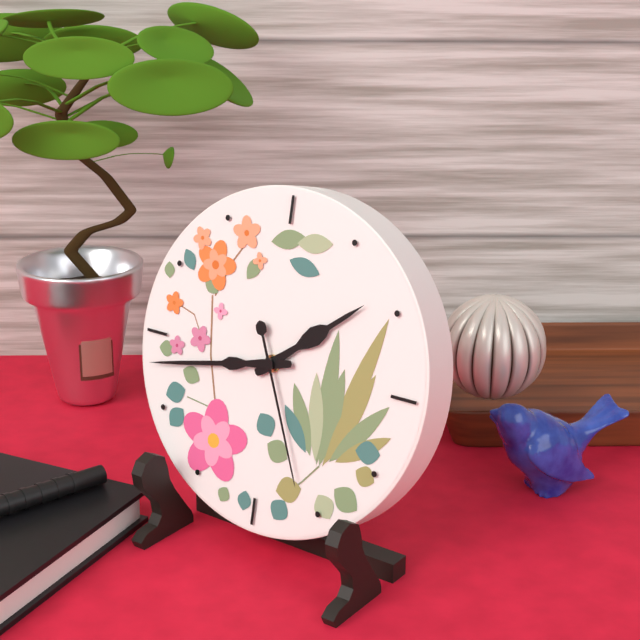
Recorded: {"hour": 1, "minute": 43, "second": 26}
